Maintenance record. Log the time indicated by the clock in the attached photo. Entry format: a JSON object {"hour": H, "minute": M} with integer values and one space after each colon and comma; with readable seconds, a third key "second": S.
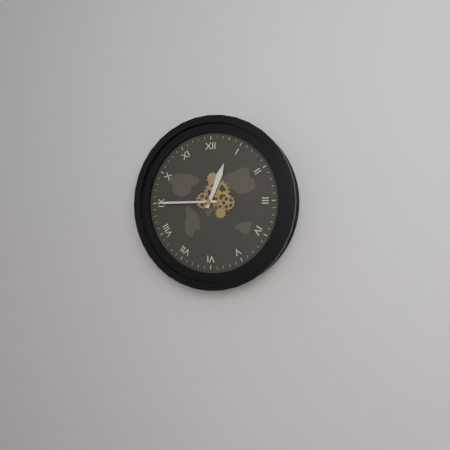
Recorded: {"hour": 12, "minute": 45}
